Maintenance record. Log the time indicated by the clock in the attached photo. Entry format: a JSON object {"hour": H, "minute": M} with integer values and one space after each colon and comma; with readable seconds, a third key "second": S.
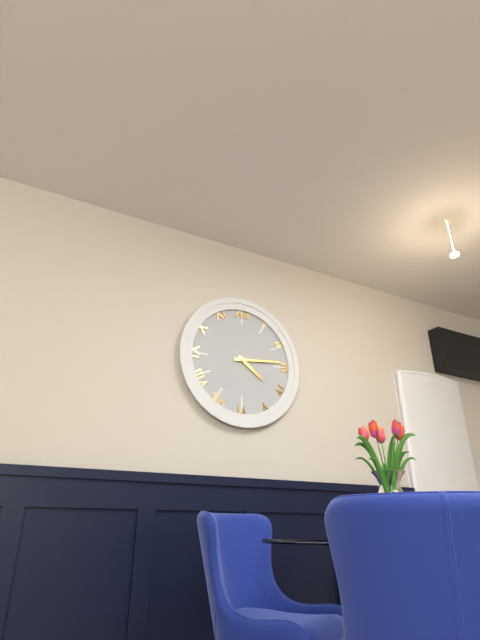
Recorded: {"hour": 4, "minute": 14}
